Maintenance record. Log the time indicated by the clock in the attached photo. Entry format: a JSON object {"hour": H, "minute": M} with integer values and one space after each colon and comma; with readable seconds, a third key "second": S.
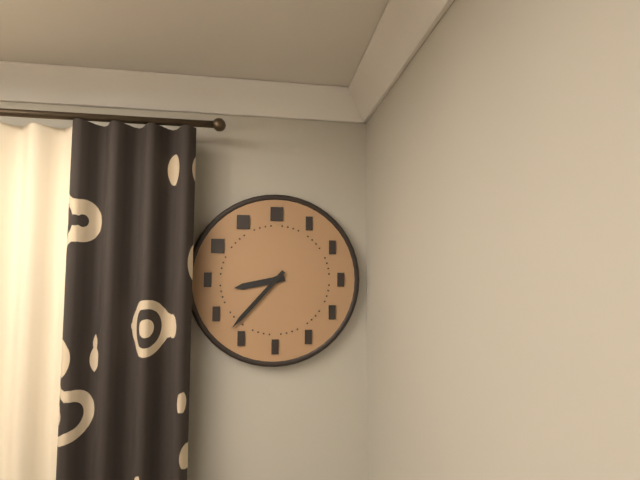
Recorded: {"hour": 8, "minute": 37}
